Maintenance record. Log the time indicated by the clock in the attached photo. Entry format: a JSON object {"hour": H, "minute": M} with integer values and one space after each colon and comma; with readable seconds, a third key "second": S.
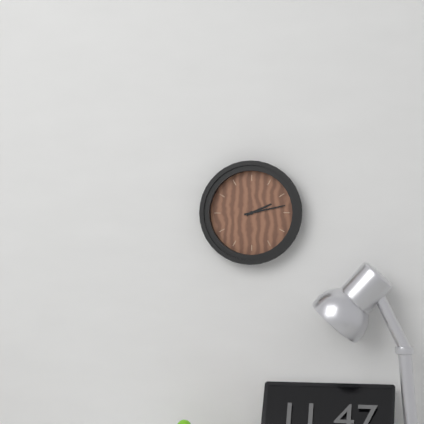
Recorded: {"hour": 2, "minute": 13}
